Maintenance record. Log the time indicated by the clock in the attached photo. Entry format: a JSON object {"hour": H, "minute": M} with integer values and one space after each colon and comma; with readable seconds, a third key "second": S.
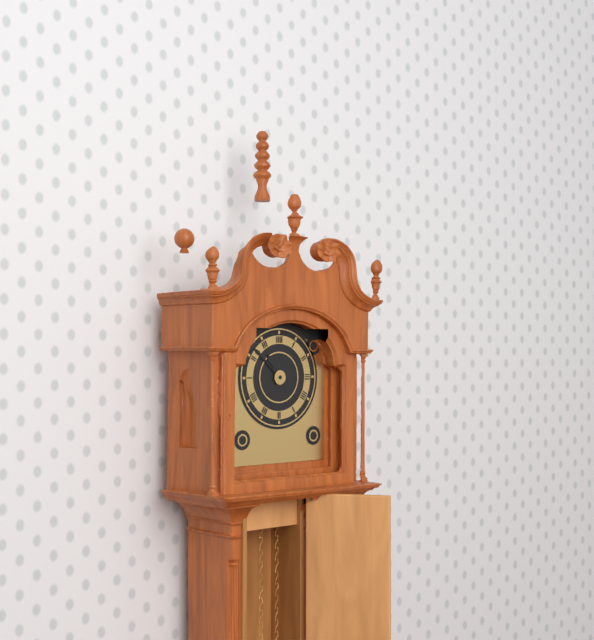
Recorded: {"hour": 10, "minute": 52}
